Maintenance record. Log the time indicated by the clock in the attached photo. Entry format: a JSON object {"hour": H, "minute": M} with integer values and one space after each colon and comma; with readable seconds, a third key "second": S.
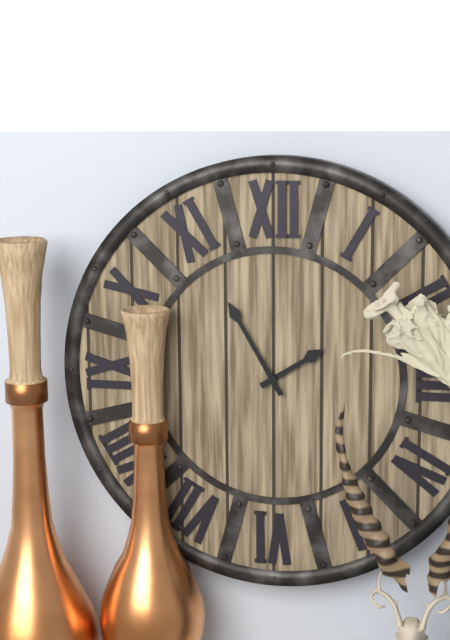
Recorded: {"hour": 1, "minute": 55}
